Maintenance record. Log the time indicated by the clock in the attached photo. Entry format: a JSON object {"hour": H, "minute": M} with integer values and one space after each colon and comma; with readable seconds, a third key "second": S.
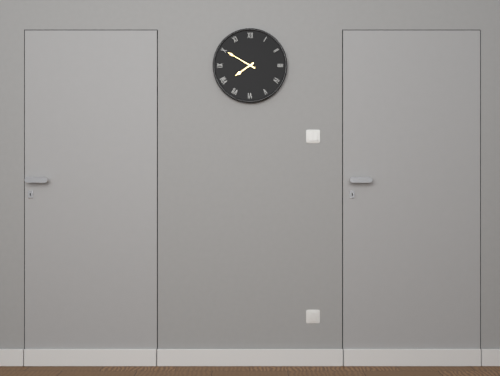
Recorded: {"hour": 7, "minute": 50}
